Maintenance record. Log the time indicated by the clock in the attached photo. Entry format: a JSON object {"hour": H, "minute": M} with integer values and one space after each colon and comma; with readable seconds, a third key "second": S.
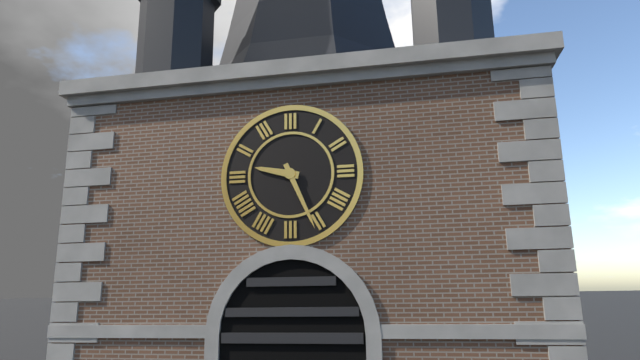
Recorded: {"hour": 9, "minute": 26}
